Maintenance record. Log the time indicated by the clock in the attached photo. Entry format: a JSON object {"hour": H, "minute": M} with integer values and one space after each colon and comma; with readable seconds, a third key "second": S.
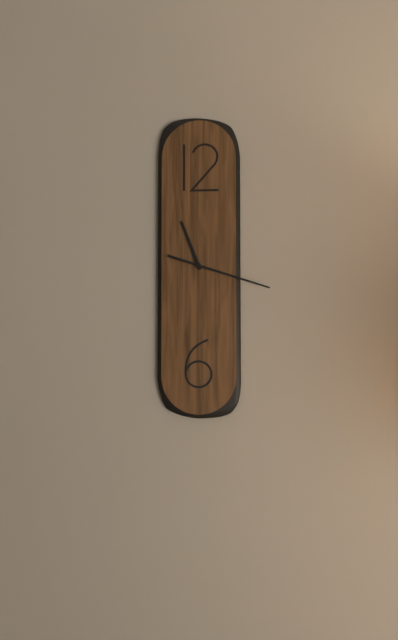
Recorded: {"hour": 11, "minute": 18}
